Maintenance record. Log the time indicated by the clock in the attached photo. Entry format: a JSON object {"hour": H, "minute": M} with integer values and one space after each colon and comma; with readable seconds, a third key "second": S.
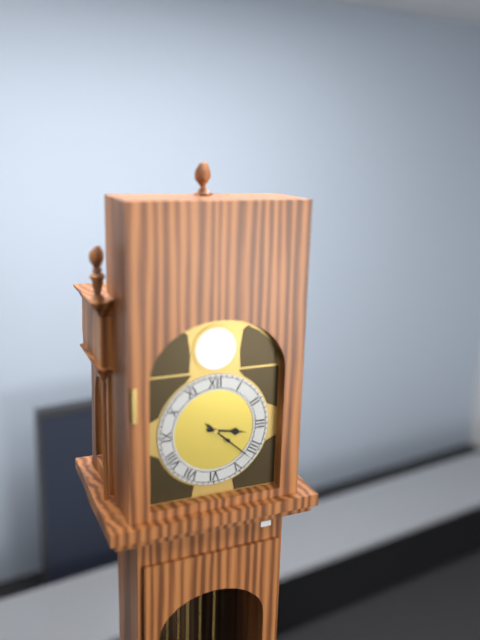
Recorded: {"hour": 3, "minute": 22}
